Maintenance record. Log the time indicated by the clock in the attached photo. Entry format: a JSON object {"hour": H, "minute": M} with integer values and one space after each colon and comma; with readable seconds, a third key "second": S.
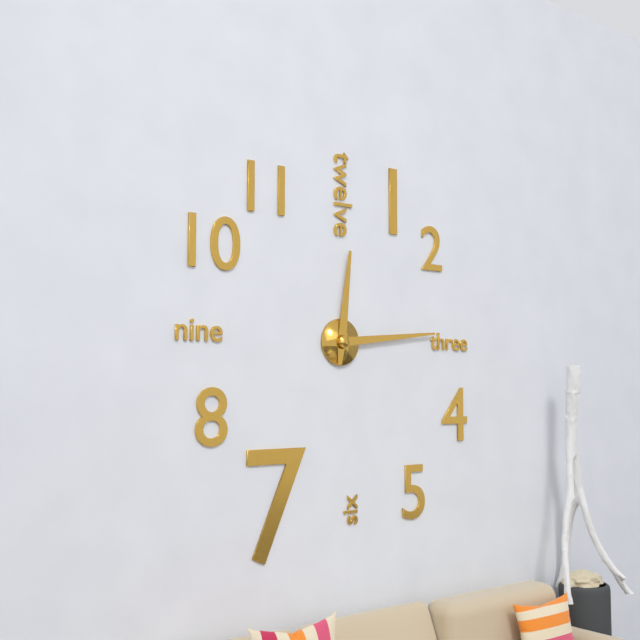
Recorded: {"hour": 12, "minute": 14}
